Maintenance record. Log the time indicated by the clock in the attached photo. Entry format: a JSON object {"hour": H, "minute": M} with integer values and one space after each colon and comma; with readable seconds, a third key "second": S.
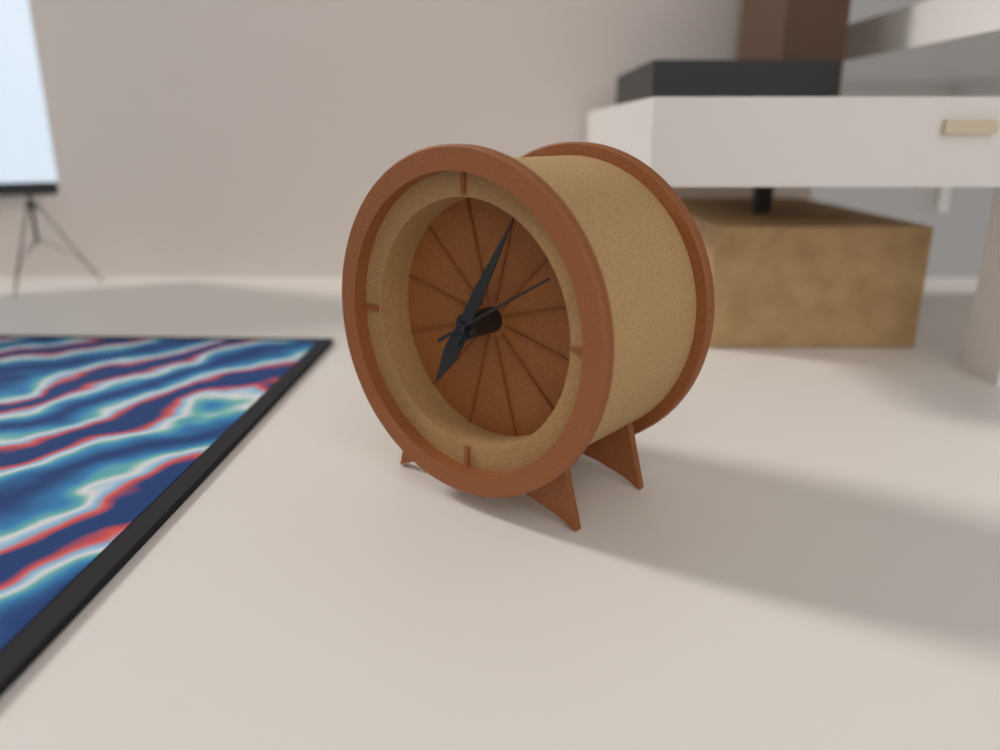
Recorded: {"hour": 7, "minute": 5, "second": 10}
